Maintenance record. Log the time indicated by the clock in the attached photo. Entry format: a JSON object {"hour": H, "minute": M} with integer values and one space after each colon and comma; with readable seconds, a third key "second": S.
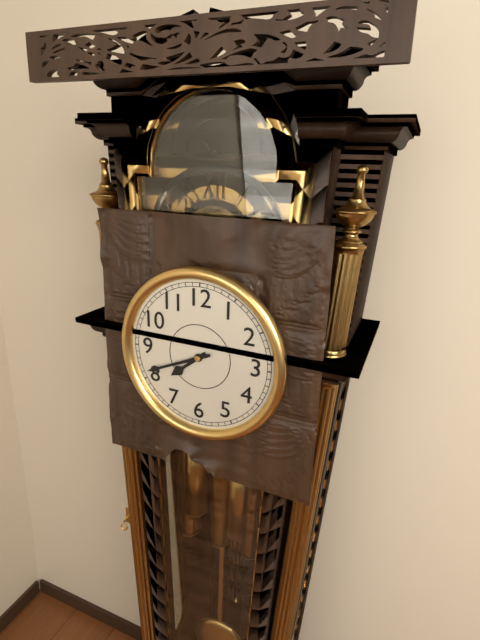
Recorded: {"hour": 7, "minute": 41}
